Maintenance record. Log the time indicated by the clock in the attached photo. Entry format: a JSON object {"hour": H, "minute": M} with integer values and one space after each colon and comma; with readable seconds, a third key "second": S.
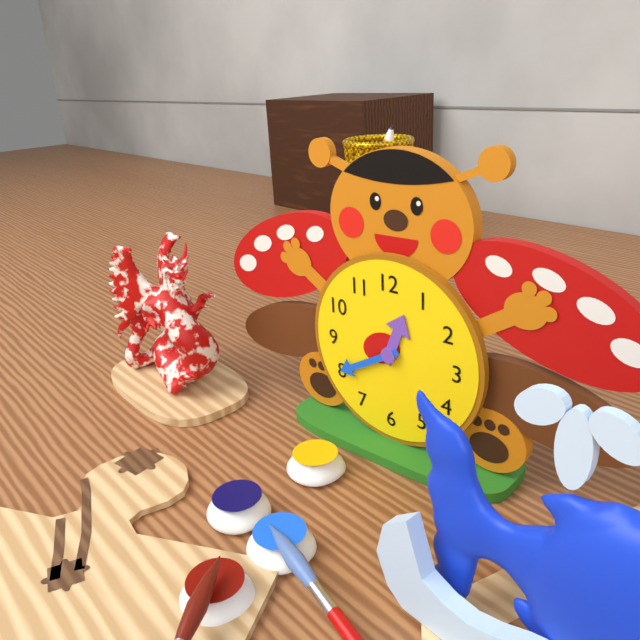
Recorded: {"hour": 12, "minute": 40}
